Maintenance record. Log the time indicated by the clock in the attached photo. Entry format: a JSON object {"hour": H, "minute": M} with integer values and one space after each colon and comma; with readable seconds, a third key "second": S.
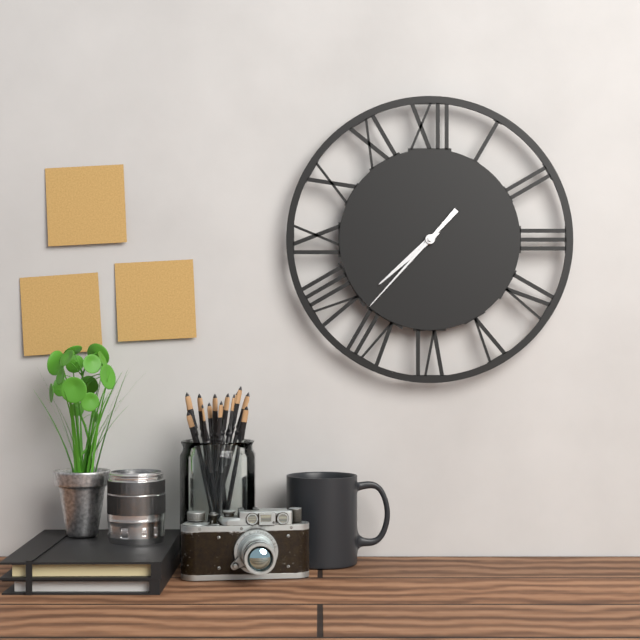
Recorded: {"hour": 7, "minute": 37}
